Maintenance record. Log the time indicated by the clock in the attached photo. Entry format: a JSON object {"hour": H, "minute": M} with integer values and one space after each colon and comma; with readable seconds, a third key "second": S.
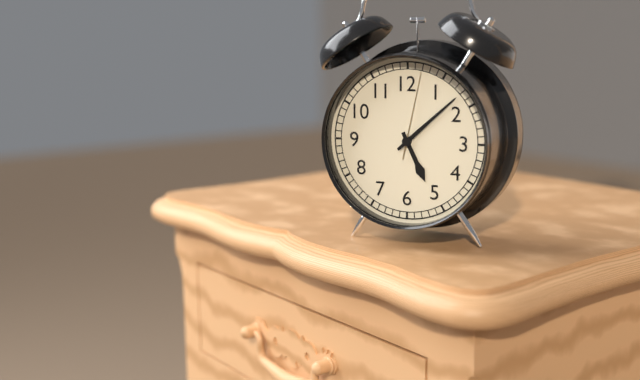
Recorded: {"hour": 5, "minute": 8, "second": 2}
